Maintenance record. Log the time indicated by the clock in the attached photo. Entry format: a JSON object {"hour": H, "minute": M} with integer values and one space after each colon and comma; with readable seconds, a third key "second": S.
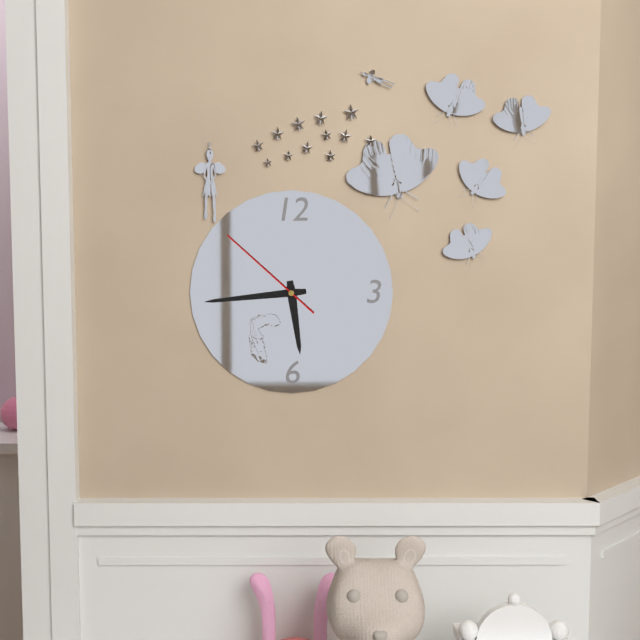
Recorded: {"hour": 5, "minute": 44, "second": 52}
